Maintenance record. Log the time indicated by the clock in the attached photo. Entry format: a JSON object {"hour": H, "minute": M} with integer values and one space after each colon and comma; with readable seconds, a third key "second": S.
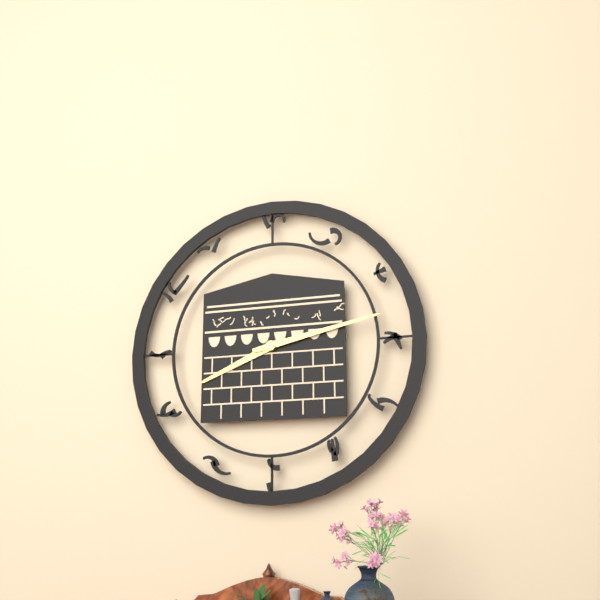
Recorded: {"hour": 8, "minute": 13}
